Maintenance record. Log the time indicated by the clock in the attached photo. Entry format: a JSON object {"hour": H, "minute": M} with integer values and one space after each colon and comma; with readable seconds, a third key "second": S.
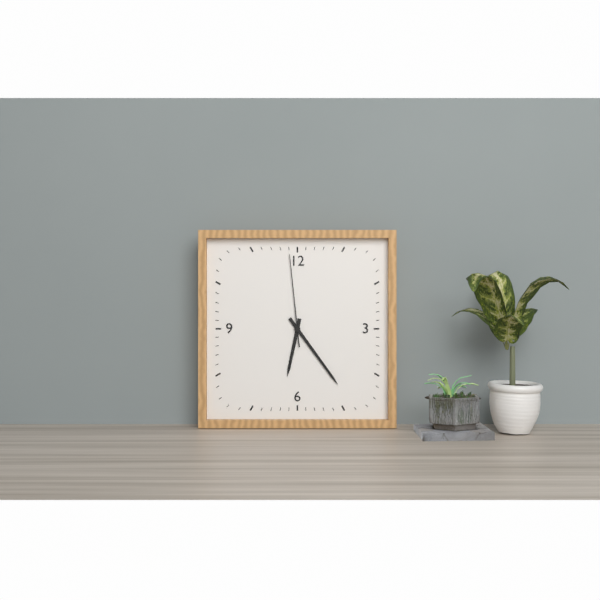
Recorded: {"hour": 6, "minute": 24, "second": 59}
